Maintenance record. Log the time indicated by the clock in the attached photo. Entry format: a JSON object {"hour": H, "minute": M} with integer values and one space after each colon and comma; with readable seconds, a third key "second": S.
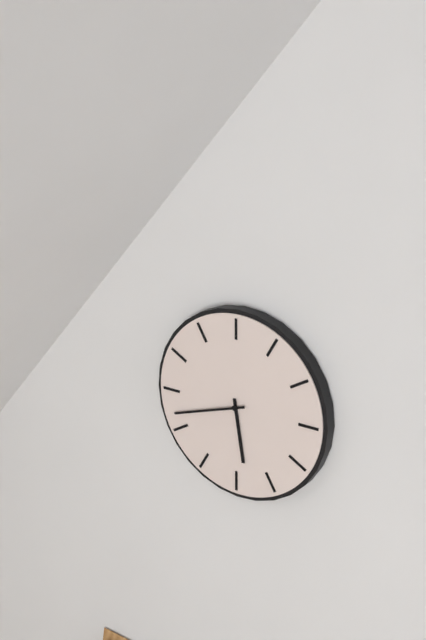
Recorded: {"hour": 5, "minute": 42}
